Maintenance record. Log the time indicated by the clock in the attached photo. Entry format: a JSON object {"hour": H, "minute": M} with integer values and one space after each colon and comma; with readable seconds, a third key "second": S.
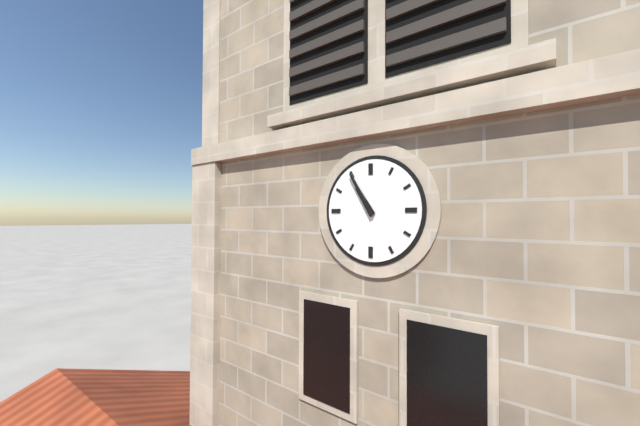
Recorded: {"hour": 10, "minute": 55}
